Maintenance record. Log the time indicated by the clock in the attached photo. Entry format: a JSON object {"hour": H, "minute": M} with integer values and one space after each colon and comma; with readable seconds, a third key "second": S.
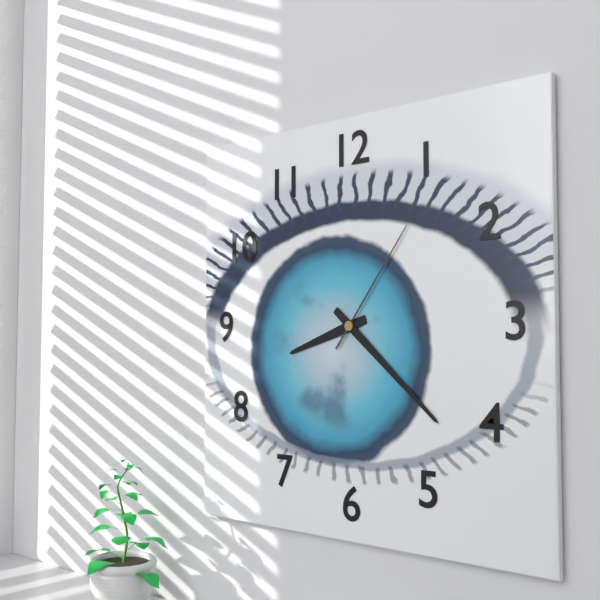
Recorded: {"hour": 8, "minute": 22, "second": 6}
